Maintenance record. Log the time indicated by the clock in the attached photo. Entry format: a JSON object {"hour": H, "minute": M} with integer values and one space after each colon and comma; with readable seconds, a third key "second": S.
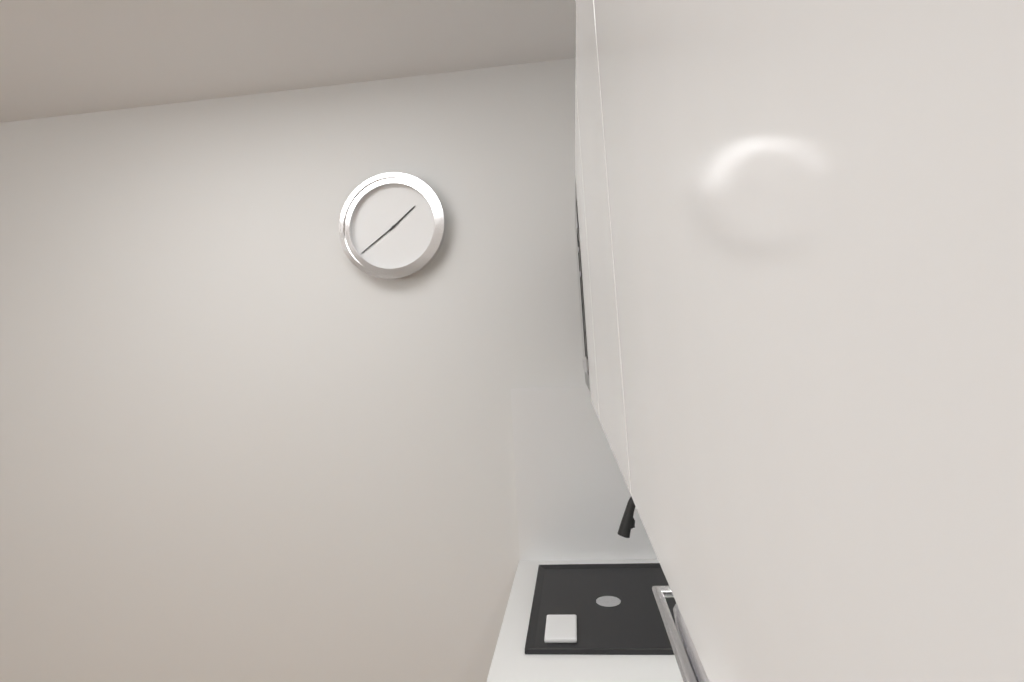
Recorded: {"hour": 1, "minute": 39}
